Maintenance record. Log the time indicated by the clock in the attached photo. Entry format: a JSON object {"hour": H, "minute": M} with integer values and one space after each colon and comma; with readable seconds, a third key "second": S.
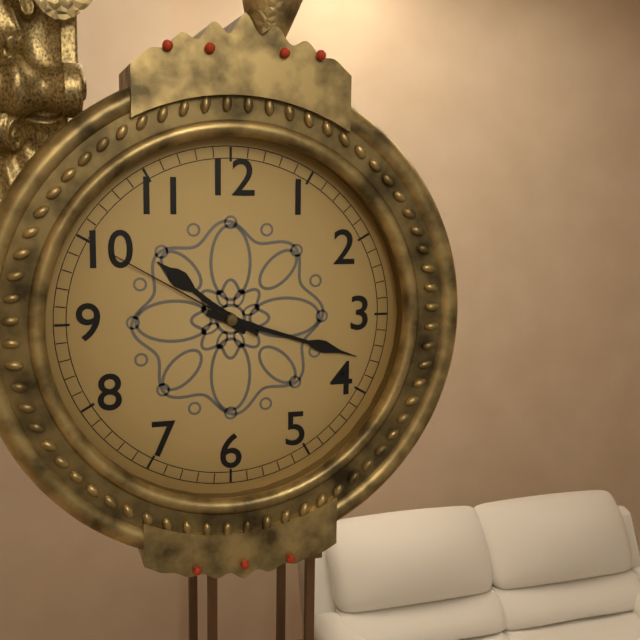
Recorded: {"hour": 10, "minute": 18, "second": 50}
